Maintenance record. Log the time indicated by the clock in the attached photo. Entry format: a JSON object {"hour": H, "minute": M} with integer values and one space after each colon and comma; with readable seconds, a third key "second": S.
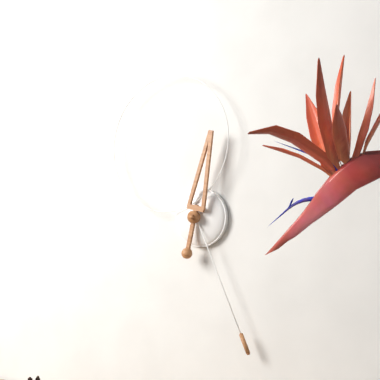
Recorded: {"hour": 12, "minute": 26}
